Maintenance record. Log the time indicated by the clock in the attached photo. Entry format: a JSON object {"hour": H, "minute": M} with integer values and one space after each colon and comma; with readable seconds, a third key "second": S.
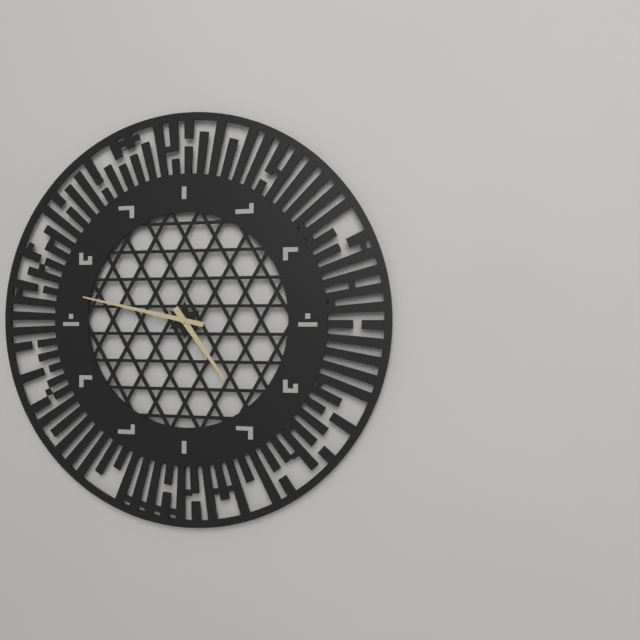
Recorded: {"hour": 4, "minute": 47}
